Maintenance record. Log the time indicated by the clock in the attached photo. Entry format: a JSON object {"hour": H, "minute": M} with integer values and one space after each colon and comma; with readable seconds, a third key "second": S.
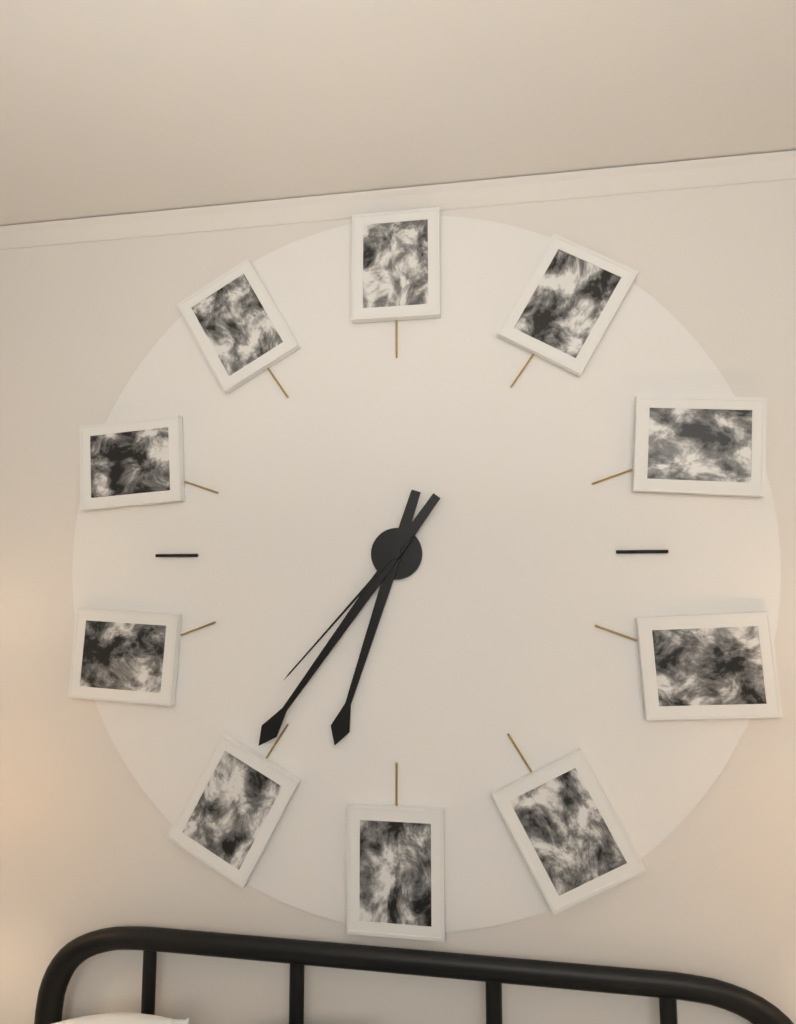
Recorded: {"hour": 6, "minute": 36, "second": 37}
